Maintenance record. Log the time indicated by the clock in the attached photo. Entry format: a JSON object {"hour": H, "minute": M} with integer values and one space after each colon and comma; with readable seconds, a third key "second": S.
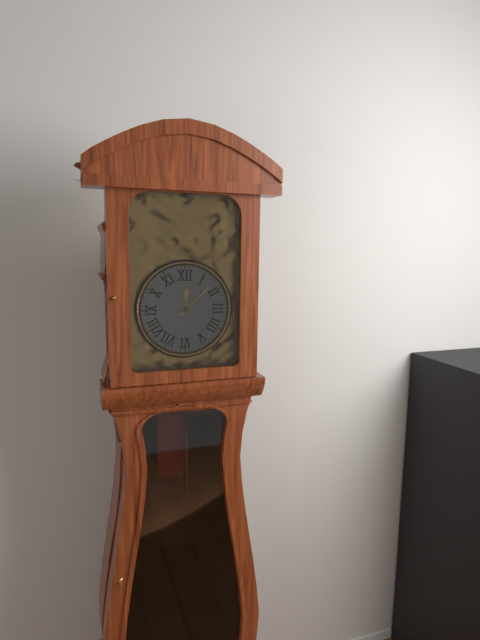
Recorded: {"hour": 12, "minute": 8}
